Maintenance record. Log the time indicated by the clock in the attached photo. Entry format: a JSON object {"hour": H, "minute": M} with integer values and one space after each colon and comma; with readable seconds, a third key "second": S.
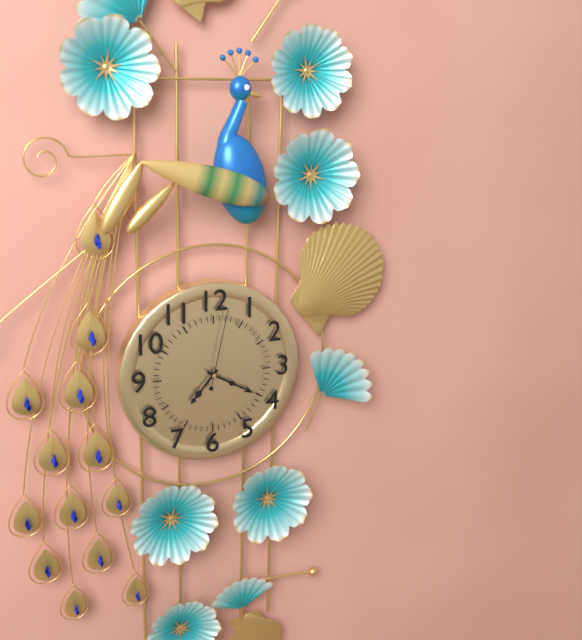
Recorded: {"hour": 7, "minute": 20, "second": 2}
